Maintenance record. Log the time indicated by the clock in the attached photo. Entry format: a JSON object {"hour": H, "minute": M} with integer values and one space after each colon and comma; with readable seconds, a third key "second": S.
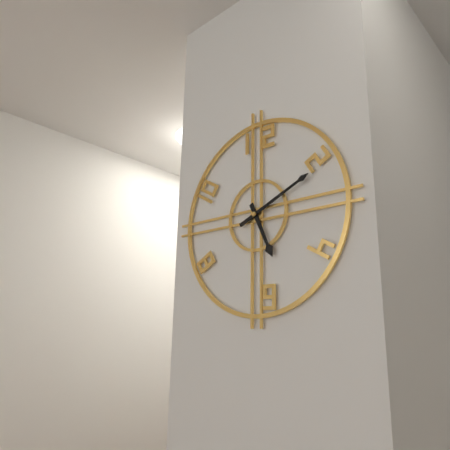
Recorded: {"hour": 5, "minute": 11}
